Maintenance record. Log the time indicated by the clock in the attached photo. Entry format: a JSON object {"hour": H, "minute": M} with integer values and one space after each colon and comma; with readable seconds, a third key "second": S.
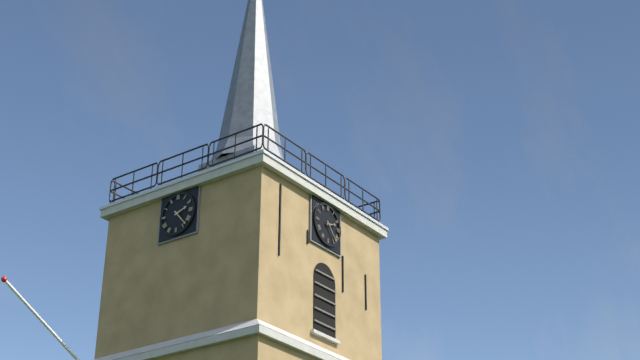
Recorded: {"hour": 2, "minute": 23}
